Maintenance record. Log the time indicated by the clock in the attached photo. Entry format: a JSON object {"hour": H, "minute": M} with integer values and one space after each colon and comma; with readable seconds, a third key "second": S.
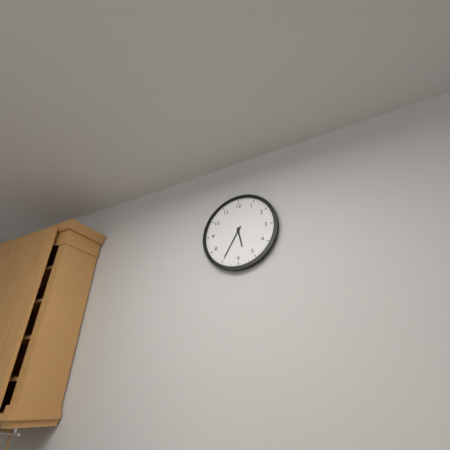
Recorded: {"hour": 5, "minute": 35}
